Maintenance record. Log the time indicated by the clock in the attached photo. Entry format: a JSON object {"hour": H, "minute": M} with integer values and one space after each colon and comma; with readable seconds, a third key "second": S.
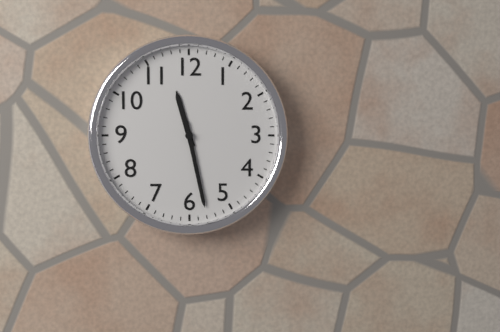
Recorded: {"hour": 11, "minute": 28}
